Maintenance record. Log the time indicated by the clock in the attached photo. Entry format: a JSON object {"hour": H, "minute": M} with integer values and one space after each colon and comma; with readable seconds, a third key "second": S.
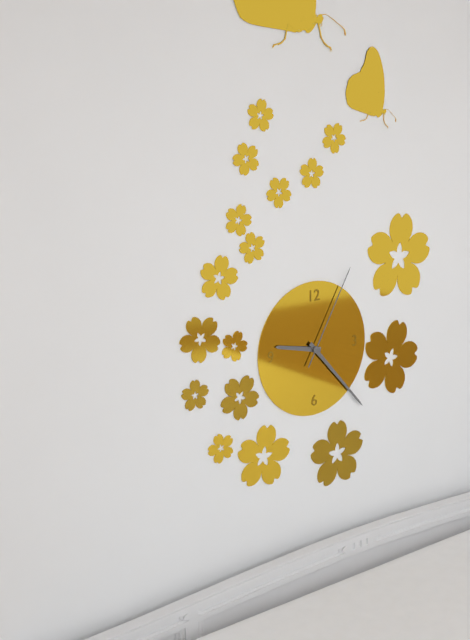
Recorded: {"hour": 9, "minute": 23, "second": 5}
